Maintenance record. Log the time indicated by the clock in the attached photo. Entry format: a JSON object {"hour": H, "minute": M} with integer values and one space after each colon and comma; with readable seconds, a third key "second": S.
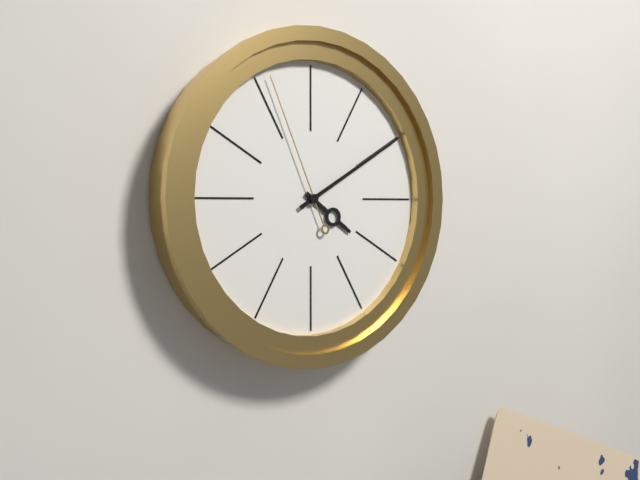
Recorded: {"hour": 4, "minute": 10, "second": 56}
